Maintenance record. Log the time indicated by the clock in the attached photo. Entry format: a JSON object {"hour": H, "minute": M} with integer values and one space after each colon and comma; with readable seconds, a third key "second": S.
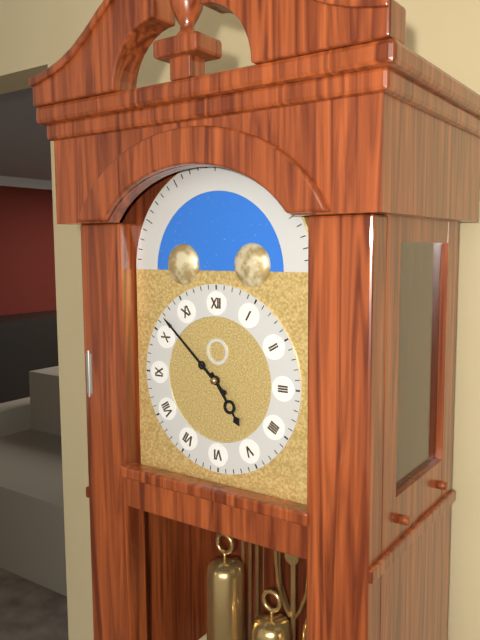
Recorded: {"hour": 4, "minute": 52}
